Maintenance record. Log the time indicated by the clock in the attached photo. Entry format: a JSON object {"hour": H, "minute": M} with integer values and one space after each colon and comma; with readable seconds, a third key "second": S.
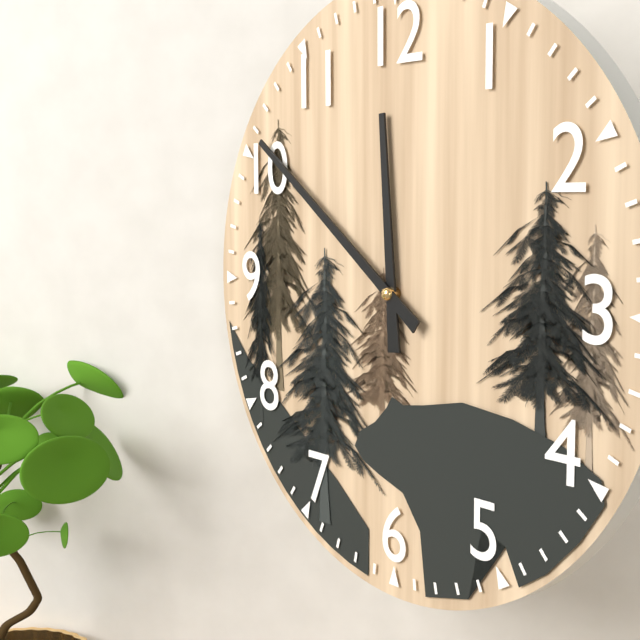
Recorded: {"hour": 11, "minute": 51}
